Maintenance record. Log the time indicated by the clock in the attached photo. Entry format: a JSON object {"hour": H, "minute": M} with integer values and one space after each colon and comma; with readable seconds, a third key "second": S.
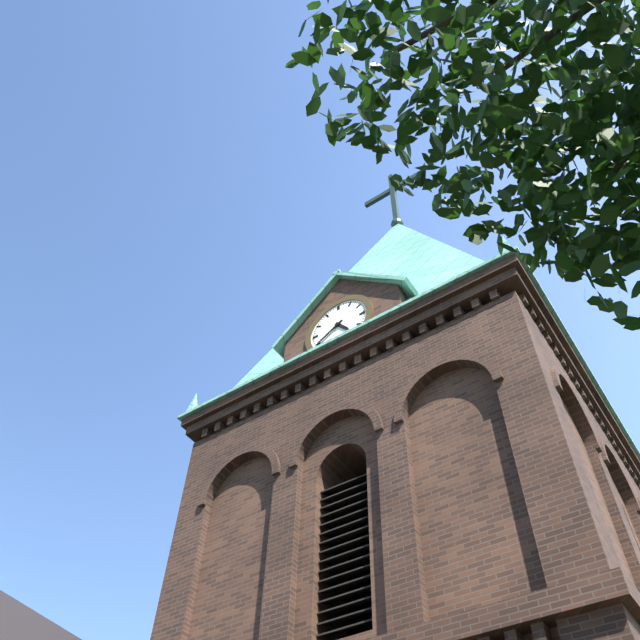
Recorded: {"hour": 4, "minute": 40}
